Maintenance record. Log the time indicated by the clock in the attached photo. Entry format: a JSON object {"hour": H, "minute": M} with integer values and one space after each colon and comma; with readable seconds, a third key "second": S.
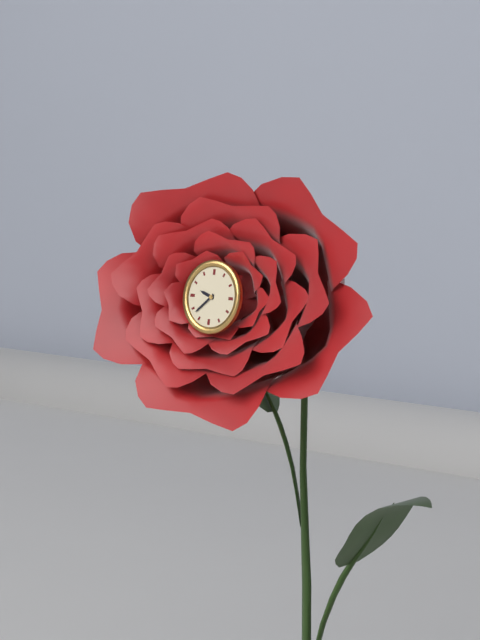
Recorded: {"hour": 9, "minute": 38}
